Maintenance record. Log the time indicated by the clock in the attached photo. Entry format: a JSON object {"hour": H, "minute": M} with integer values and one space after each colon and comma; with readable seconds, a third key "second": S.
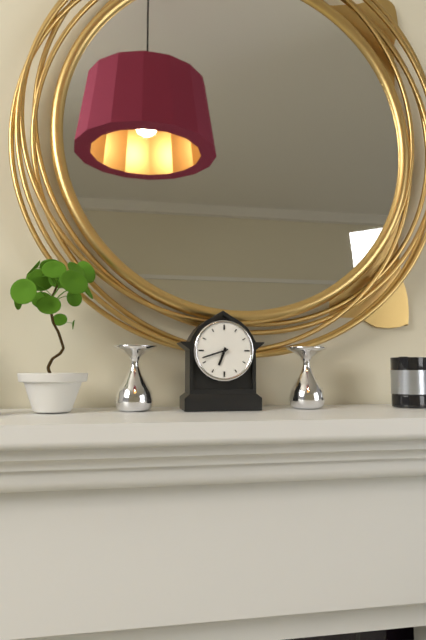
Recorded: {"hour": 6, "minute": 42}
